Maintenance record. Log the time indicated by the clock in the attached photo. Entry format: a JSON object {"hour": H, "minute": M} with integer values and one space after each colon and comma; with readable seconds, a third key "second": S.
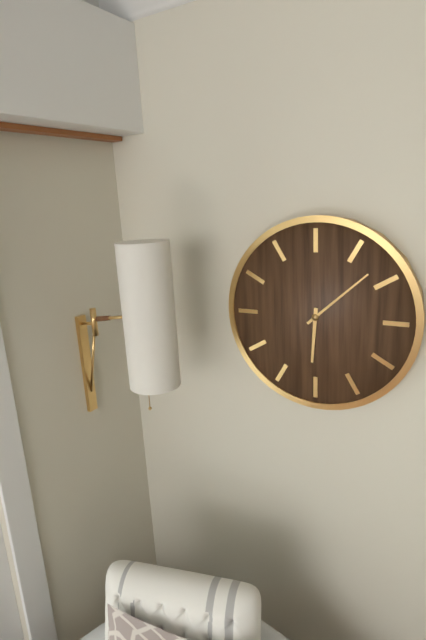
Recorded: {"hour": 6, "minute": 8}
